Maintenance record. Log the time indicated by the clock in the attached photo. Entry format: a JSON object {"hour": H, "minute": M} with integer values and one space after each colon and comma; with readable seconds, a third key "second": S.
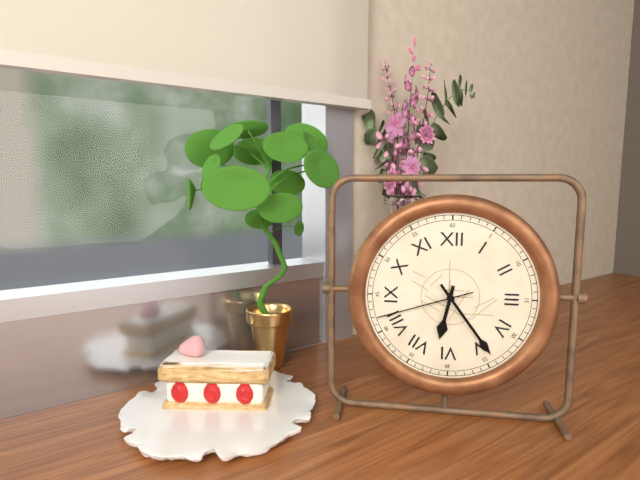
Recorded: {"hour": 6, "minute": 24, "second": 42}
